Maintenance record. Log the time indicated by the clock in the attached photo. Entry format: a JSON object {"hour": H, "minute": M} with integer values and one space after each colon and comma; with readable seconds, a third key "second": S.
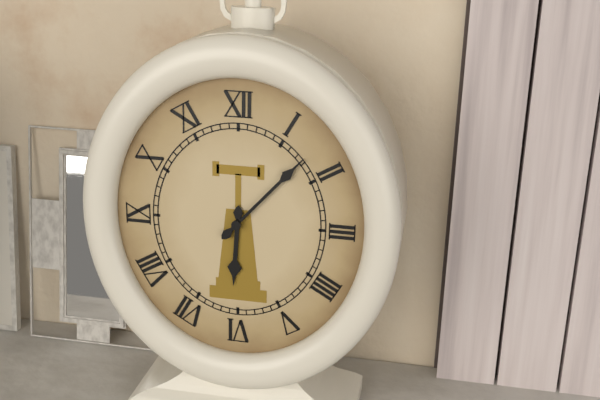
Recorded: {"hour": 6, "minute": 7}
